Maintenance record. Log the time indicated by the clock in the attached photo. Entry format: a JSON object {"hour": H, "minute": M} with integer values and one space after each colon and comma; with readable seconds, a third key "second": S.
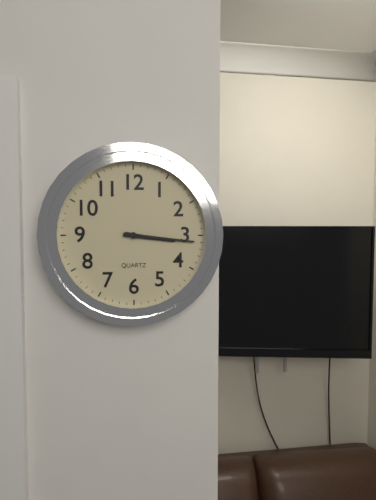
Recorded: {"hour": 3, "minute": 16}
